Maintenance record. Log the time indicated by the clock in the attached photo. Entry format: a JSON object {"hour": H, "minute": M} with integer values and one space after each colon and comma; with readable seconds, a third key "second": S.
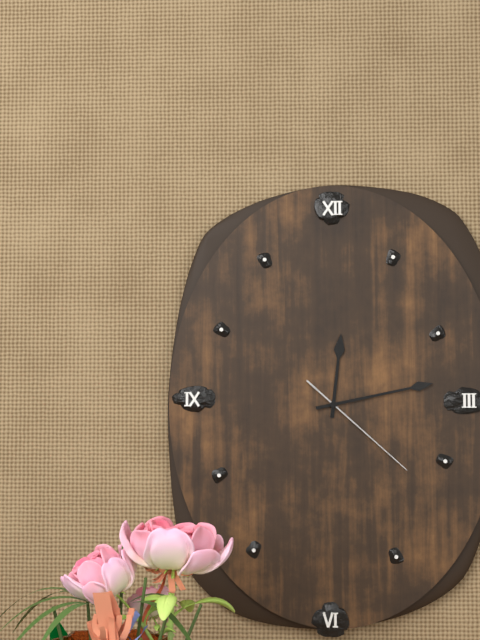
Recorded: {"hour": 12, "minute": 13, "second": 22}
